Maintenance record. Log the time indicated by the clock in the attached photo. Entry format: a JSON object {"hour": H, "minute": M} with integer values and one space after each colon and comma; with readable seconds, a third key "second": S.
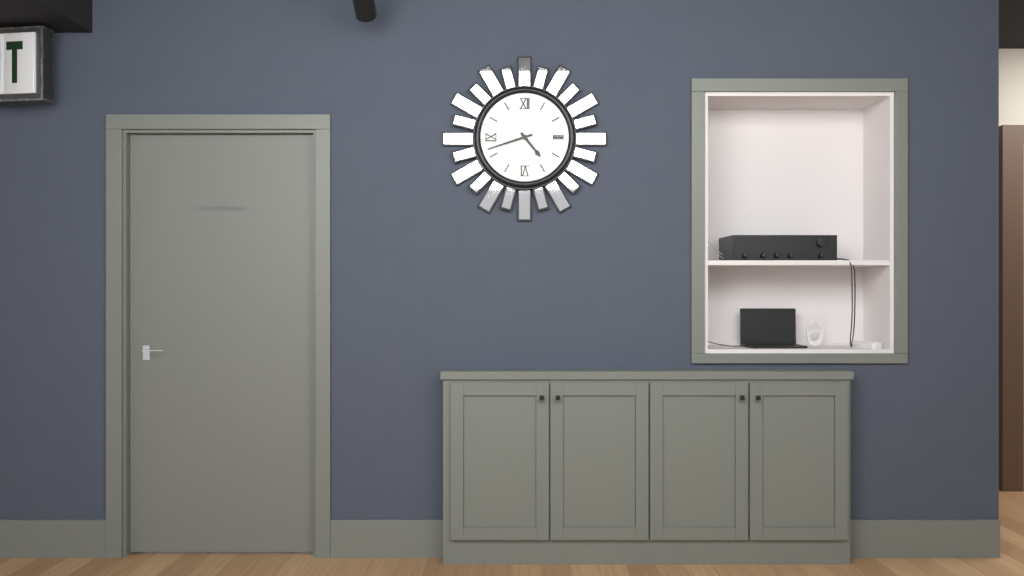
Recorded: {"hour": 4, "minute": 42}
